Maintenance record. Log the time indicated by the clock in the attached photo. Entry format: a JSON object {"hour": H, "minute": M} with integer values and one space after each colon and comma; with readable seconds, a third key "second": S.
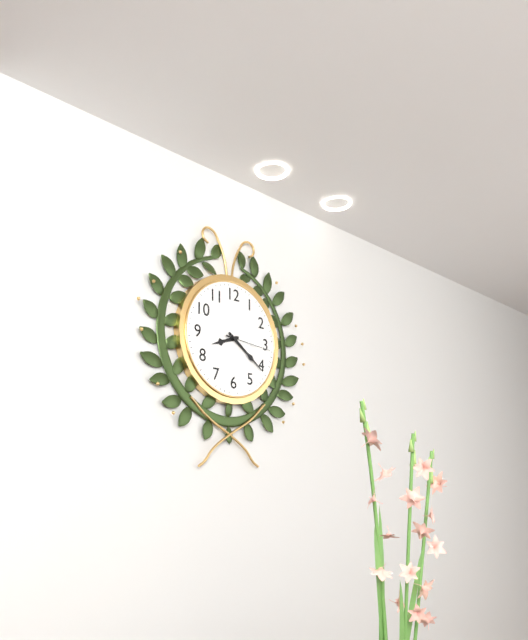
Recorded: {"hour": 8, "minute": 21}
